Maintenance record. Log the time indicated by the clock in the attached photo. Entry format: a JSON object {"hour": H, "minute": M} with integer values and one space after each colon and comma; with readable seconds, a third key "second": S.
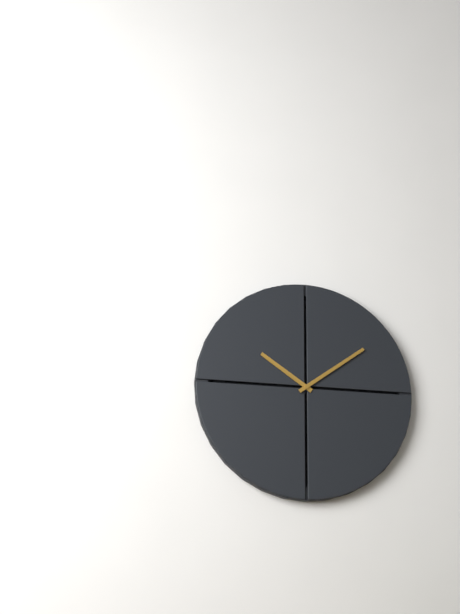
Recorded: {"hour": 10, "minute": 9}
